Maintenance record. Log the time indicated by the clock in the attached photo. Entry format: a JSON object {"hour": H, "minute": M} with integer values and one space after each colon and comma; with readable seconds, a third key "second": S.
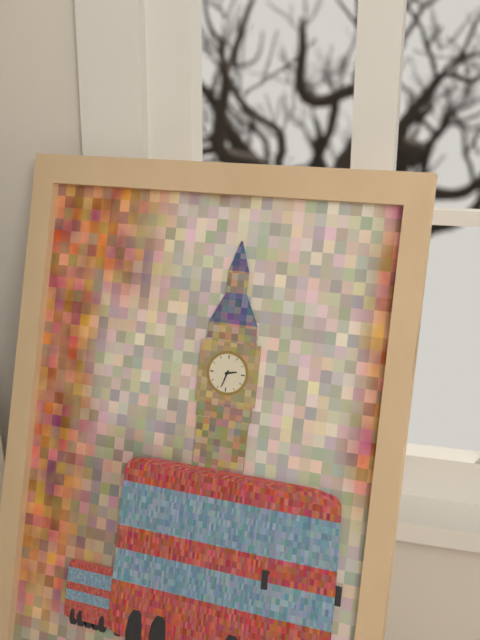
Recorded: {"hour": 2, "minute": 33}
